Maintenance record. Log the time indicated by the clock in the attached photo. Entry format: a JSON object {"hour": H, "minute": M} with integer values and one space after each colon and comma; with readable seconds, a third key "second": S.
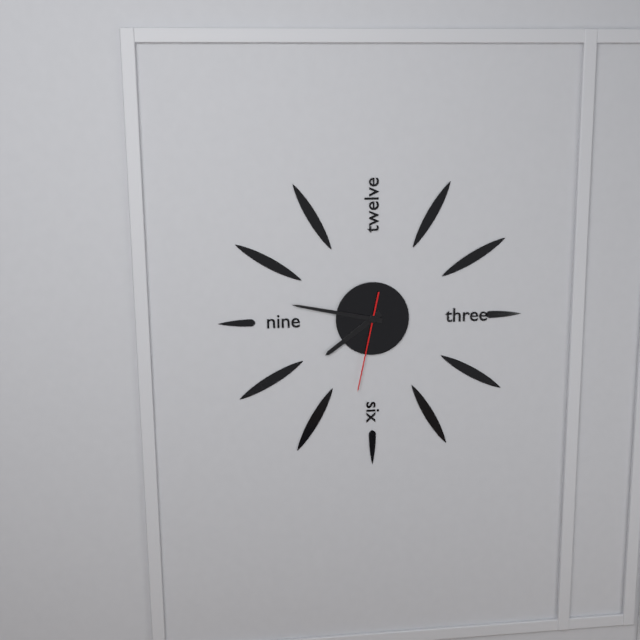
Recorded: {"hour": 7, "minute": 47, "second": 32}
